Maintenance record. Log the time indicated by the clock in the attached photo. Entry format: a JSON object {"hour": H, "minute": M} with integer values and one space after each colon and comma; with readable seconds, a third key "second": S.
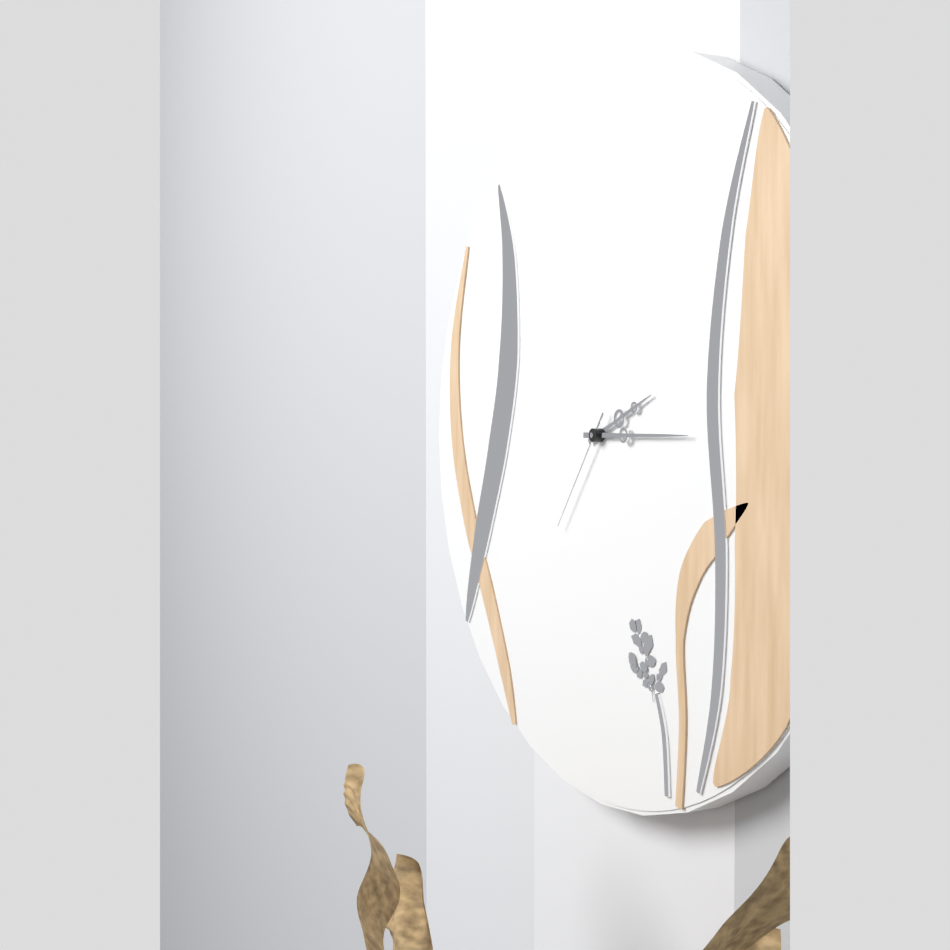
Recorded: {"hour": 2, "minute": 15, "second": 36}
